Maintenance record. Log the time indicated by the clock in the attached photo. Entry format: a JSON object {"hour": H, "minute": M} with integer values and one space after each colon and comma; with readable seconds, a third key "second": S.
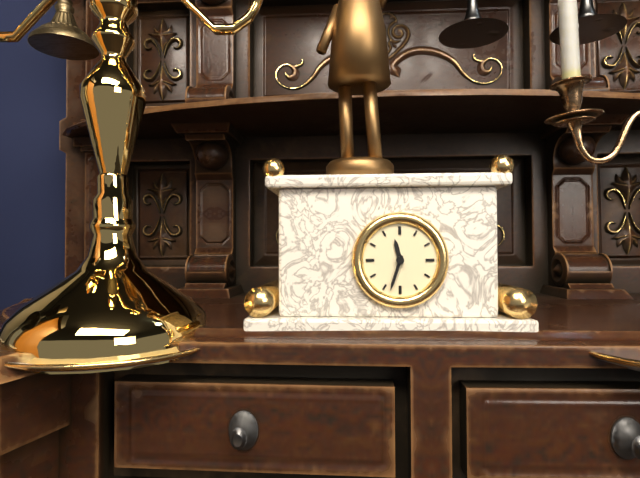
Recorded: {"hour": 11, "minute": 33}
